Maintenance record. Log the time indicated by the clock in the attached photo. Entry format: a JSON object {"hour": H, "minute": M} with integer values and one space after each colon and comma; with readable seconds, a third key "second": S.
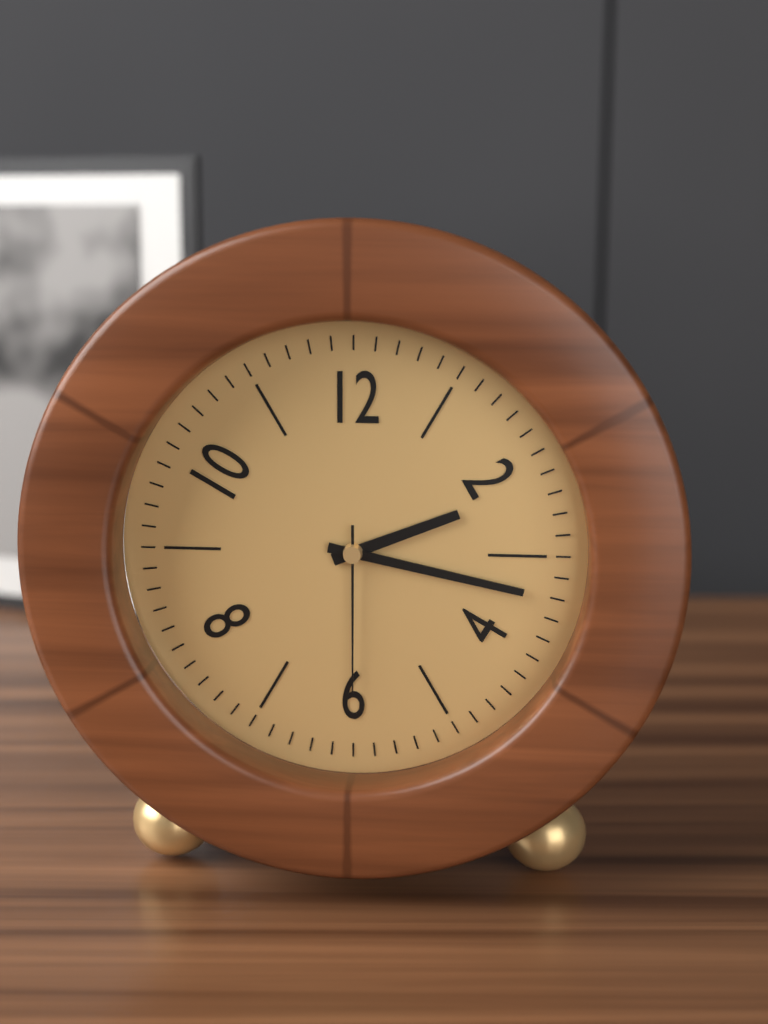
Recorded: {"hour": 2, "minute": 17, "second": 30}
